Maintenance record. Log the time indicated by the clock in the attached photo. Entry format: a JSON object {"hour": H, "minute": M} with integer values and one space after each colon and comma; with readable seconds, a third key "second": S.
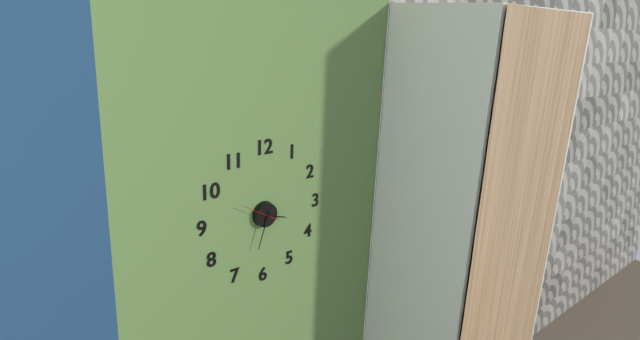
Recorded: {"hour": 3, "minute": 33}
